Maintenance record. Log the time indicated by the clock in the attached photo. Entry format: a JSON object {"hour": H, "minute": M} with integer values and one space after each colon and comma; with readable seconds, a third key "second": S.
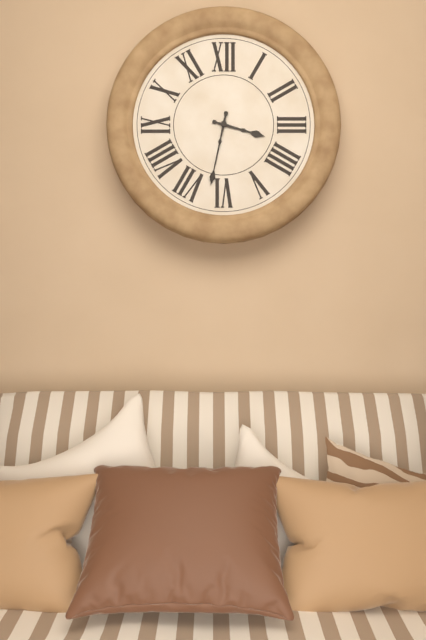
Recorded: {"hour": 3, "minute": 32}
